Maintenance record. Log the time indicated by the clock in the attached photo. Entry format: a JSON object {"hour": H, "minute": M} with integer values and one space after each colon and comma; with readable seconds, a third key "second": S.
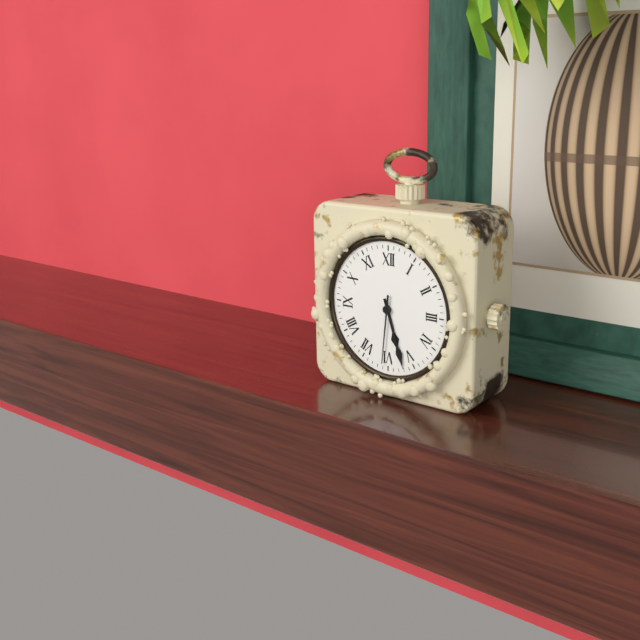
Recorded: {"hour": 5, "minute": 27, "second": 31}
